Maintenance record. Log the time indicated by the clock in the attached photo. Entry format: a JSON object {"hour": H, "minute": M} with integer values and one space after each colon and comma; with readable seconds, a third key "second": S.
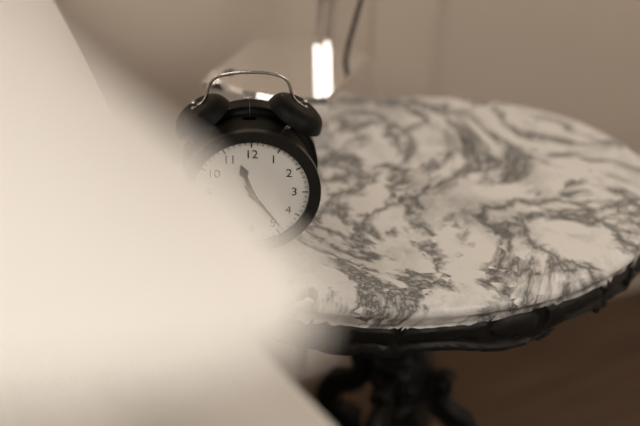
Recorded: {"hour": 11, "minute": 24}
